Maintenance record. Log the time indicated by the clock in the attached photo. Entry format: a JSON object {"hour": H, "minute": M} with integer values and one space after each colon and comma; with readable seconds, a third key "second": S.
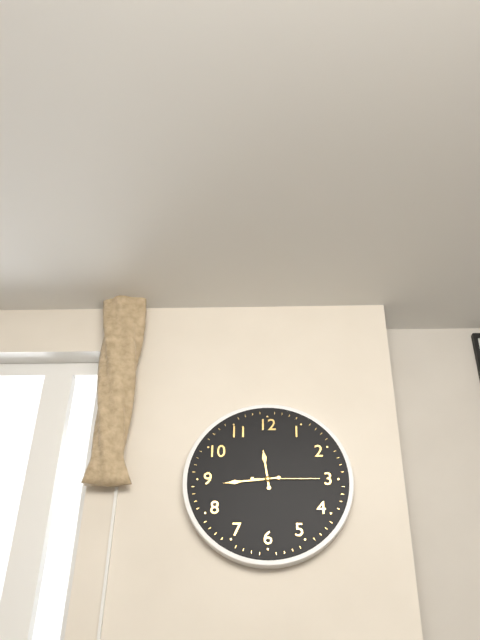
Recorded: {"hour": 11, "minute": 44, "second": 15}
